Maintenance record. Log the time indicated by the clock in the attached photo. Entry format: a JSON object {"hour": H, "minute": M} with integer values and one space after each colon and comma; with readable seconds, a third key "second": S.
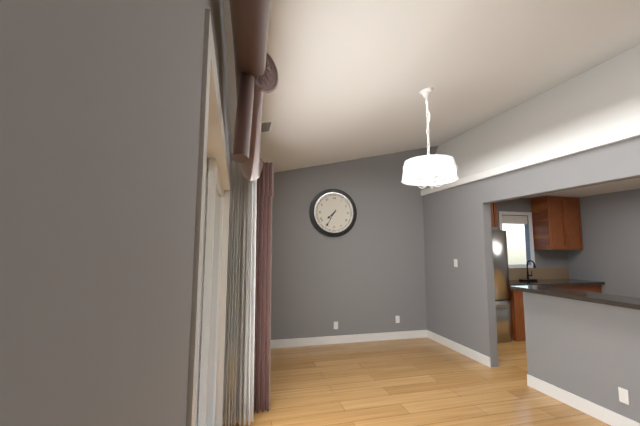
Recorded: {"hour": 7, "minute": 35}
